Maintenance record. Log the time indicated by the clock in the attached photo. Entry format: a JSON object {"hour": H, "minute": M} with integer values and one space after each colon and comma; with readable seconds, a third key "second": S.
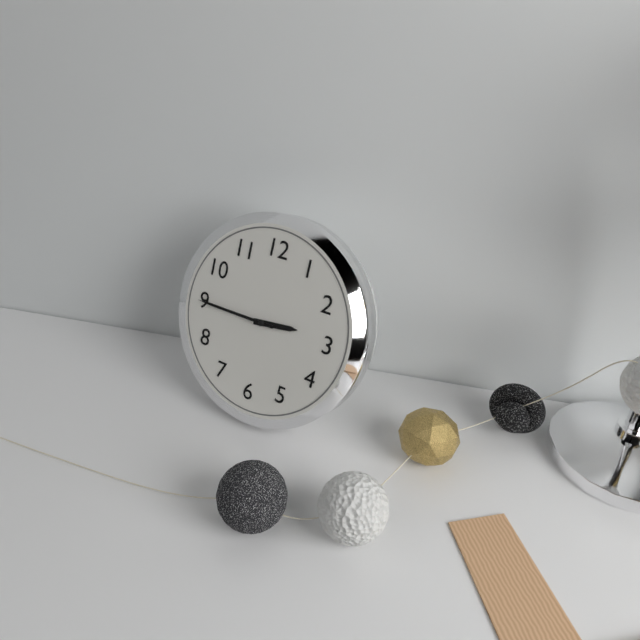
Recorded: {"hour": 2, "minute": 45}
